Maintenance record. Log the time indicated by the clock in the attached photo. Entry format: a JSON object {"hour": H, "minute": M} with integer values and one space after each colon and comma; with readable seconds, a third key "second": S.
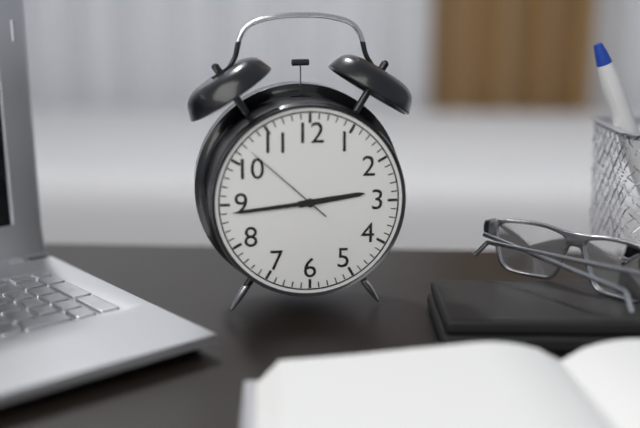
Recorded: {"hour": 2, "minute": 44, "second": 52}
